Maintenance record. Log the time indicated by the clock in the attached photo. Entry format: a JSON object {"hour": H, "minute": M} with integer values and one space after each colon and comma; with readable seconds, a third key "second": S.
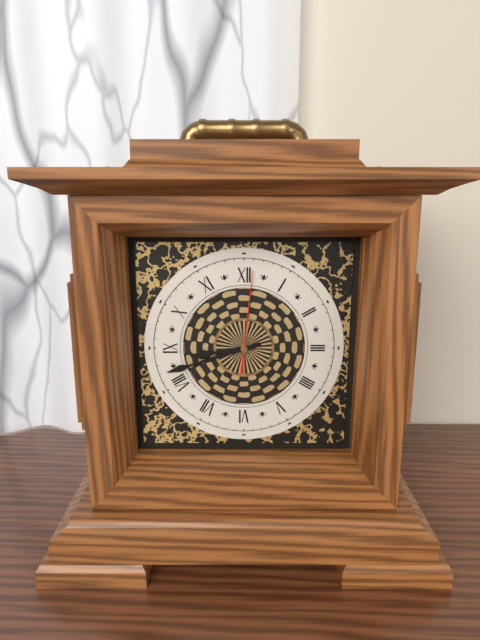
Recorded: {"hour": 8, "minute": 42, "second": 1}
